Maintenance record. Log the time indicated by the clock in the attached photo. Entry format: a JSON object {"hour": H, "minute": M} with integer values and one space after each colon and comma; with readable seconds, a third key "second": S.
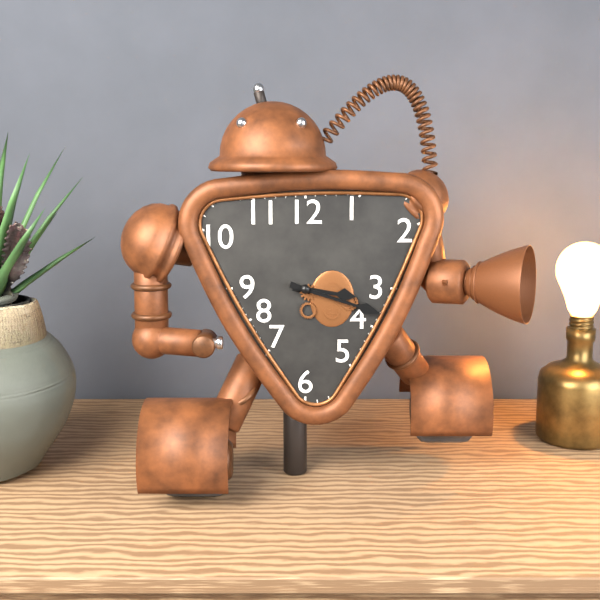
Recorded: {"hour": 3, "minute": 18}
